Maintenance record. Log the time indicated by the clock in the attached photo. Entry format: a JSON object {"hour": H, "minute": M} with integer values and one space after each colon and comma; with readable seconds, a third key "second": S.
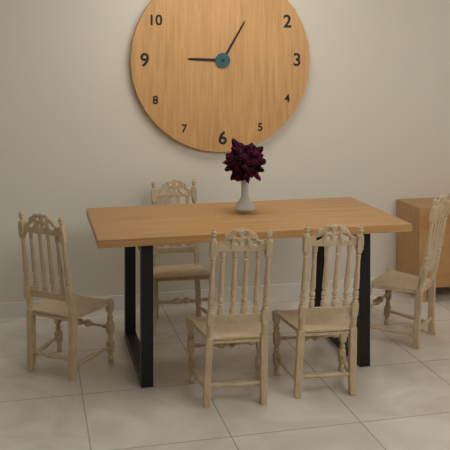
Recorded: {"hour": 9, "minute": 5}
